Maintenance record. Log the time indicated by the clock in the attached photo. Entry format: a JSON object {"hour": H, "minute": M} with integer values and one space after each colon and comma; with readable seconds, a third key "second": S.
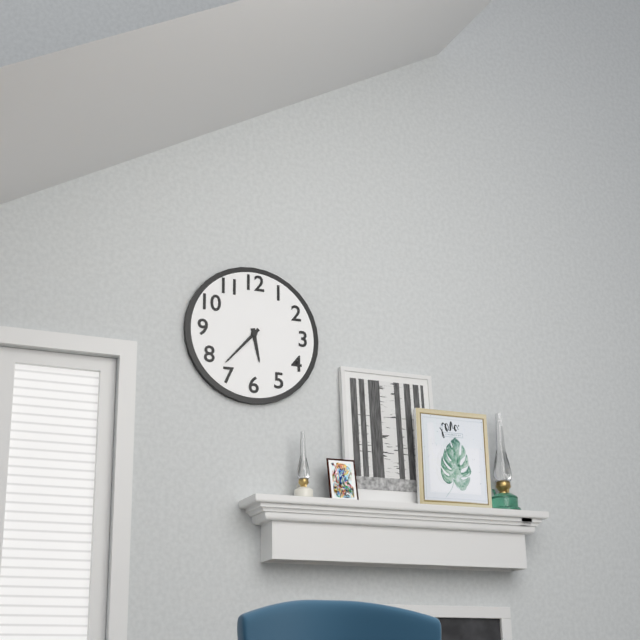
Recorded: {"hour": 5, "minute": 37}
